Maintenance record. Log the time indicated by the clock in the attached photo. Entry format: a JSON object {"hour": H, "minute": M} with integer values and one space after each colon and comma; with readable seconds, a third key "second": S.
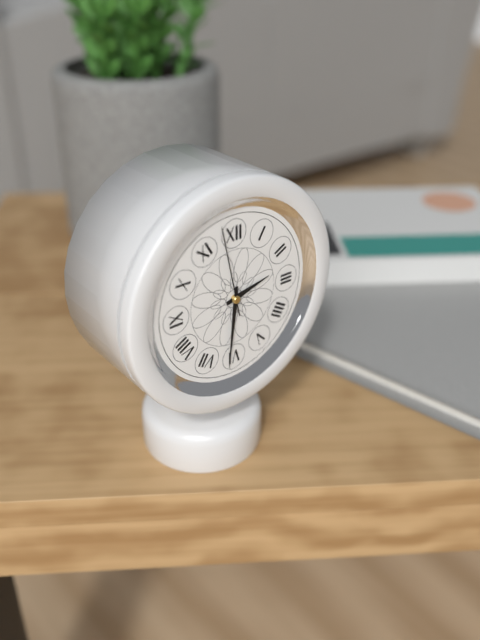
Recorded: {"hour": 2, "minute": 31, "second": 58}
